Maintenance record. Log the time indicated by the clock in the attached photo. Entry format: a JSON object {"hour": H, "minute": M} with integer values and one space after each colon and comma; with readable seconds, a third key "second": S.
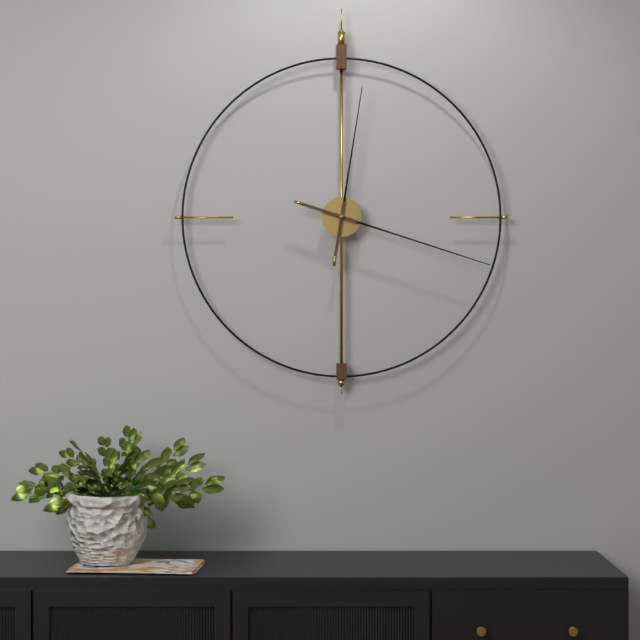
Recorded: {"hour": 12, "minute": 18}
